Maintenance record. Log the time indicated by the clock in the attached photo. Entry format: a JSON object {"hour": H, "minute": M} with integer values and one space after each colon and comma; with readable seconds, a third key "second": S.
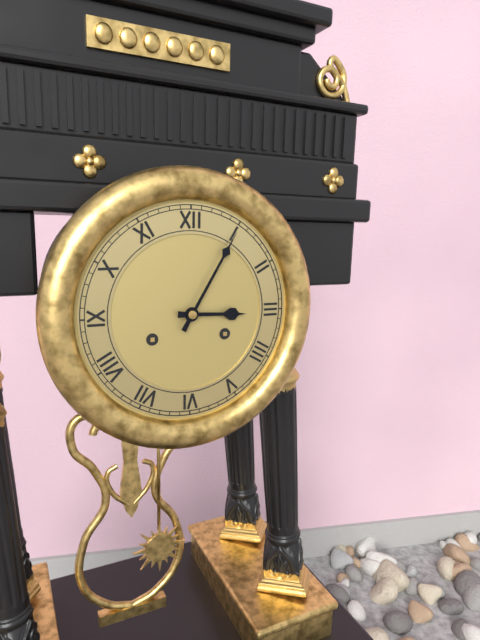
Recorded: {"hour": 3, "minute": 5}
